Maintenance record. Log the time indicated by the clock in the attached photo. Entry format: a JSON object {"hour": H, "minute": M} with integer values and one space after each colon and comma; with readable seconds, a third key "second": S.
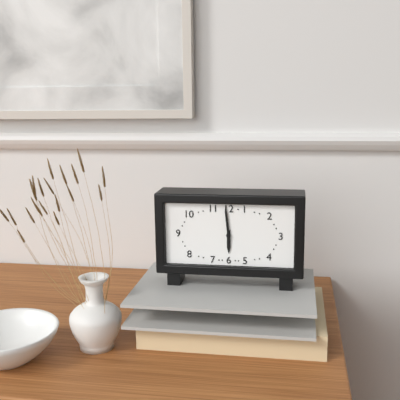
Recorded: {"hour": 5, "minute": 59}
